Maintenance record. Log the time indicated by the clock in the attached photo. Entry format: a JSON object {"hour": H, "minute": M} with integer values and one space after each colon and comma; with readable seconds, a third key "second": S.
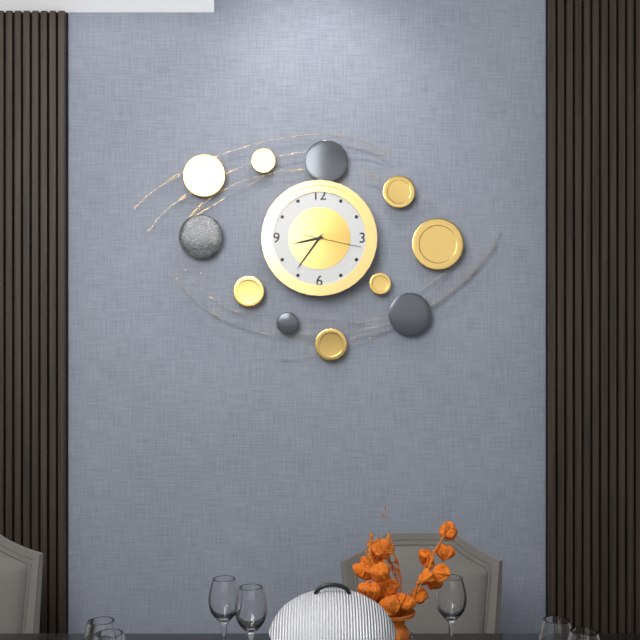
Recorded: {"hour": 8, "minute": 36, "second": 17}
